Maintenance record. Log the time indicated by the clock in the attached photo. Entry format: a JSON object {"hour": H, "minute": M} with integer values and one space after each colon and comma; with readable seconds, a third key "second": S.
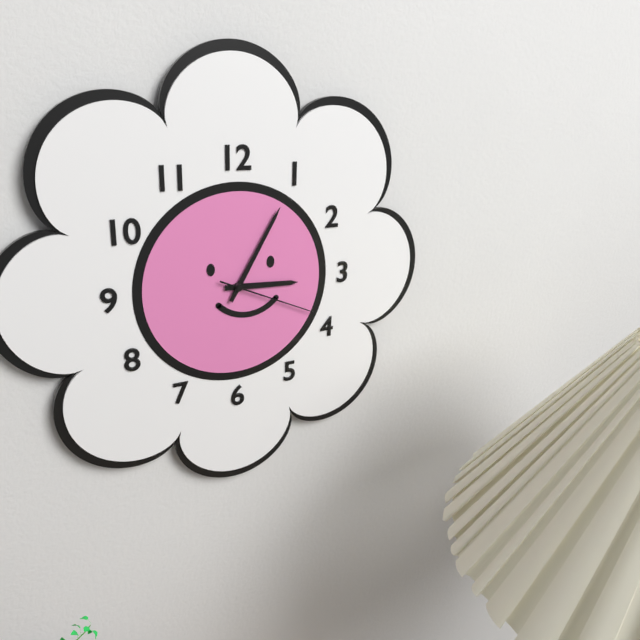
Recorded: {"hour": 3, "minute": 5, "second": 19}
